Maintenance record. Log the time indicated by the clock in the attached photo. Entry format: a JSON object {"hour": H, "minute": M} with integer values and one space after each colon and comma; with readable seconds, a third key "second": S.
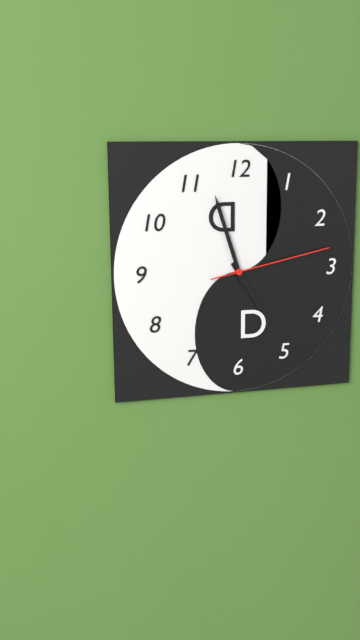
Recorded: {"hour": 4, "minute": 57, "second": 13}
